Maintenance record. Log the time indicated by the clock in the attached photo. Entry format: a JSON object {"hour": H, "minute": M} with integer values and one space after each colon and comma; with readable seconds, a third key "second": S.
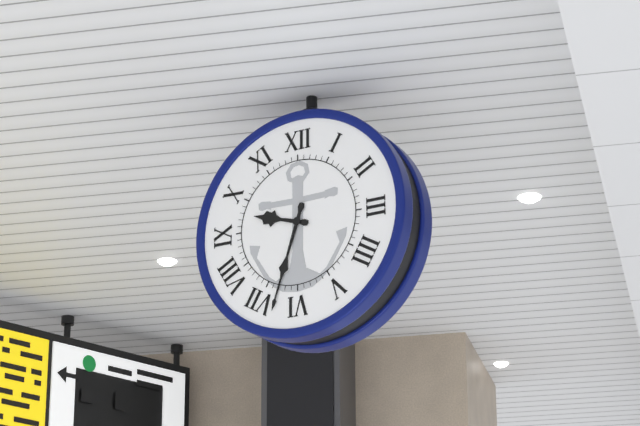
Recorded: {"hour": 9, "minute": 33}
